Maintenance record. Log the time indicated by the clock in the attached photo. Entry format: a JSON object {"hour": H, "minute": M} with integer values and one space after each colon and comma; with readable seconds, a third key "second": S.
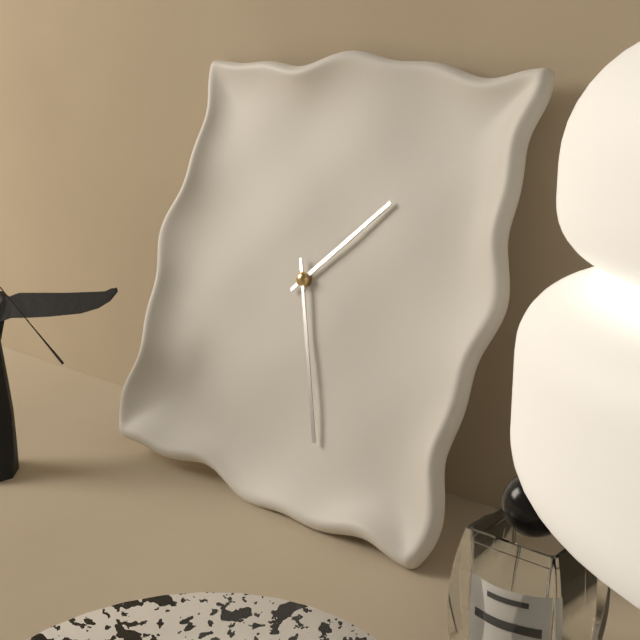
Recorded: {"hour": 1, "minute": 26}
